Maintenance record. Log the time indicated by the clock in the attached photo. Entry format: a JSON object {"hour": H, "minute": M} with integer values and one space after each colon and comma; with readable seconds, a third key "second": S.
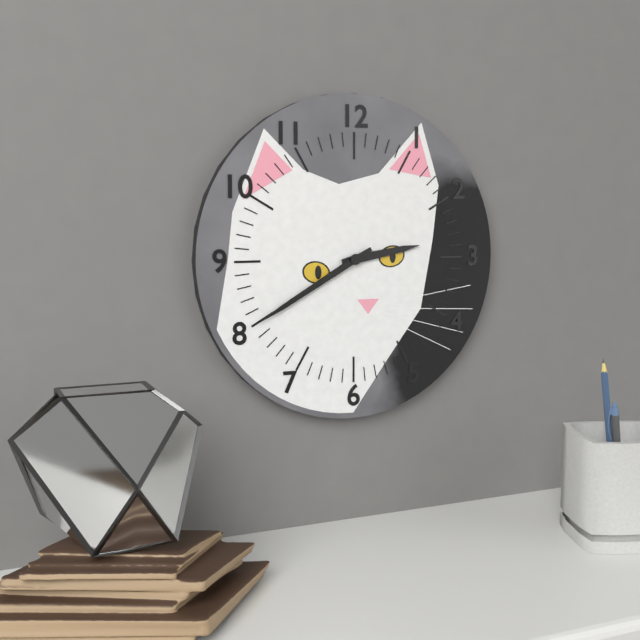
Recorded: {"hour": 2, "minute": 40}
